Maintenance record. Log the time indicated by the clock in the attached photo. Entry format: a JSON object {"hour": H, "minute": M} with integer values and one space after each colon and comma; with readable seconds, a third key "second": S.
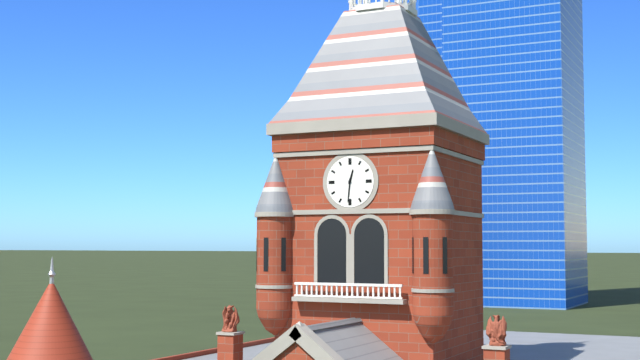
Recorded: {"hour": 12, "minute": 31}
